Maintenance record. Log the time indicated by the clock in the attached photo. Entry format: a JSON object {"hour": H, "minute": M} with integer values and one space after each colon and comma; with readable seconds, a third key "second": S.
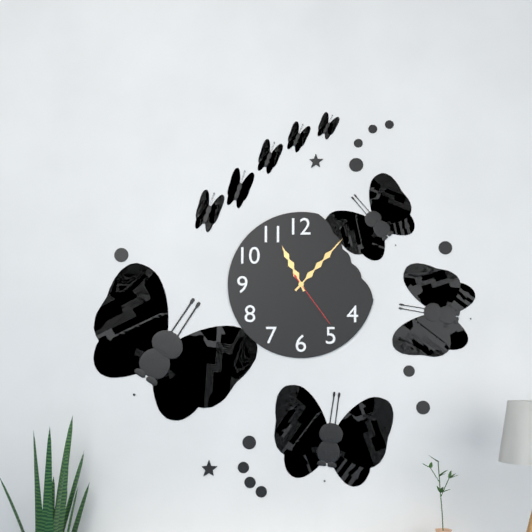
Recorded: {"hour": 11, "minute": 7, "second": 24}
